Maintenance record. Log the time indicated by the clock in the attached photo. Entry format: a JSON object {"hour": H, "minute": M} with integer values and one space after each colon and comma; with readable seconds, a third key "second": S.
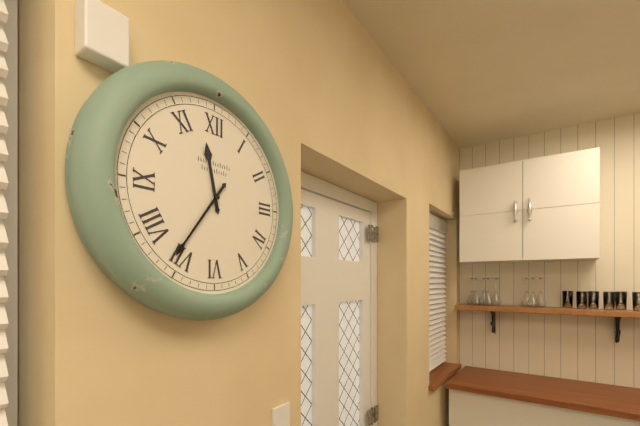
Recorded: {"hour": 11, "minute": 36}
